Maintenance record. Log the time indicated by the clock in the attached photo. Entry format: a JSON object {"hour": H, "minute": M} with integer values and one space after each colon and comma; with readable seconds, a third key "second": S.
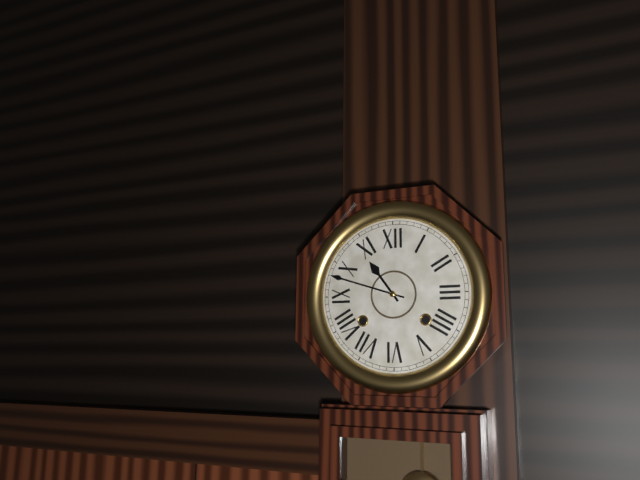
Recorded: {"hour": 10, "minute": 48}
